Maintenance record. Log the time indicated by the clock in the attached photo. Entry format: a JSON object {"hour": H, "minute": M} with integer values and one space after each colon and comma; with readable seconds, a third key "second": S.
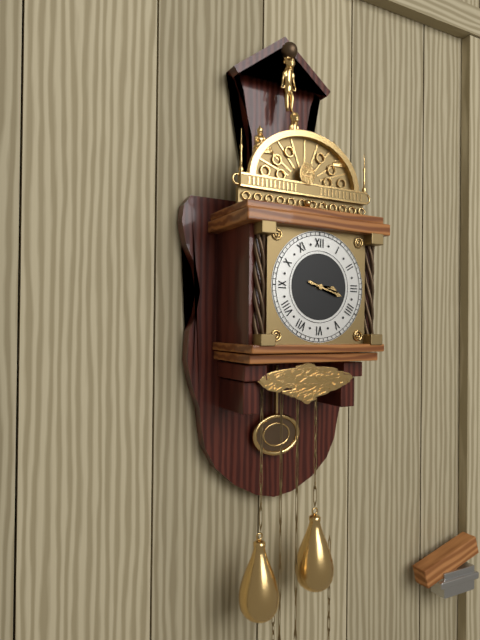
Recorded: {"hour": 3, "minute": 18}
